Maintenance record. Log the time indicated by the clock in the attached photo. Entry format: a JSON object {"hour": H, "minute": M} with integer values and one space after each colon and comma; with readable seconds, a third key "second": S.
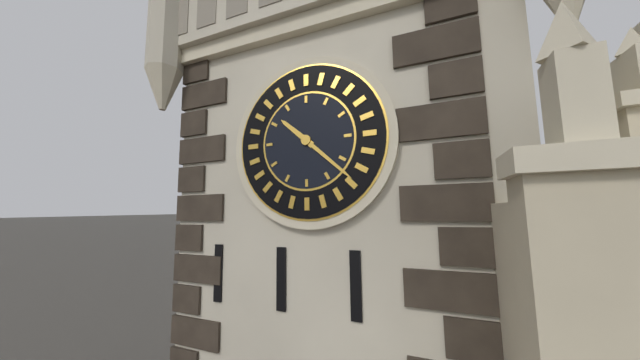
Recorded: {"hour": 10, "minute": 22}
